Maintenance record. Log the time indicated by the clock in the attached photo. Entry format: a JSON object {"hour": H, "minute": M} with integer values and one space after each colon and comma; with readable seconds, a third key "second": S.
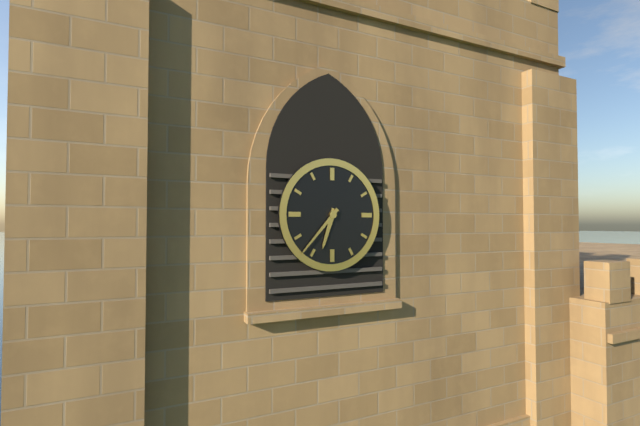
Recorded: {"hour": 6, "minute": 37}
